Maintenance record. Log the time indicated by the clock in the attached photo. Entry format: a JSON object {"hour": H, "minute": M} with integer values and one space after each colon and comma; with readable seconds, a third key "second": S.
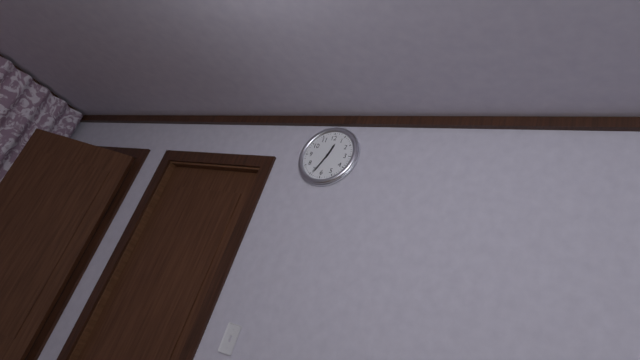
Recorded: {"hour": 12, "minute": 34}
